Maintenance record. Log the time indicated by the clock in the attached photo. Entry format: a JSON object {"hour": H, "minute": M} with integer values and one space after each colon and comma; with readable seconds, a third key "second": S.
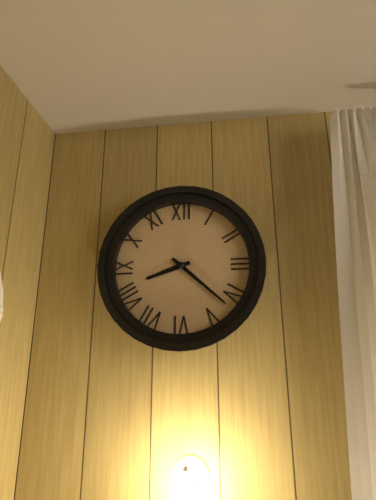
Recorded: {"hour": 8, "minute": 22}
